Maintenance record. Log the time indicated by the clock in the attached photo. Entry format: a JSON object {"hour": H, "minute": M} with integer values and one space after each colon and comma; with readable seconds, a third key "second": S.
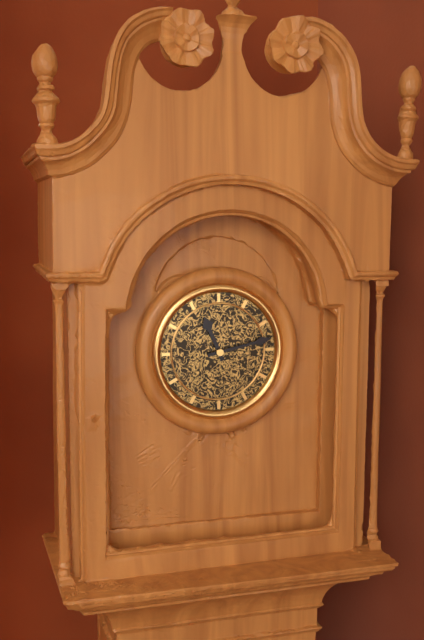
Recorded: {"hour": 11, "minute": 13}
